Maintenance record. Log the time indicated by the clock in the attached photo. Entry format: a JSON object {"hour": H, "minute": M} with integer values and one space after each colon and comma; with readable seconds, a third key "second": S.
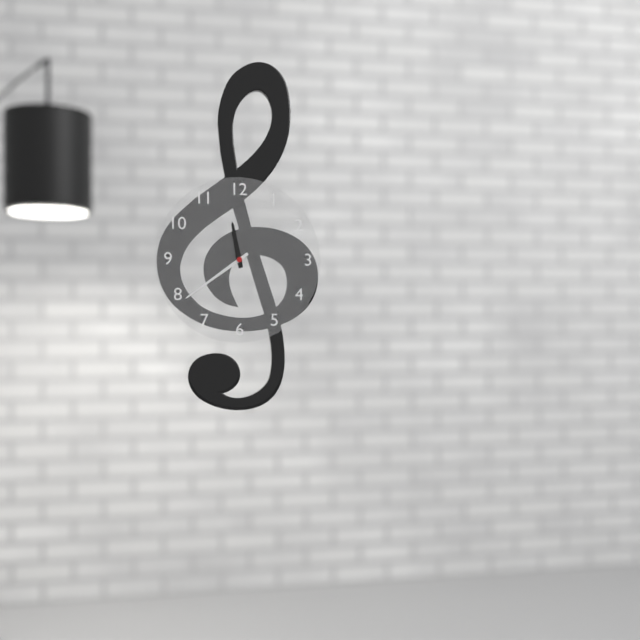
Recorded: {"hour": 11, "minute": 39}
